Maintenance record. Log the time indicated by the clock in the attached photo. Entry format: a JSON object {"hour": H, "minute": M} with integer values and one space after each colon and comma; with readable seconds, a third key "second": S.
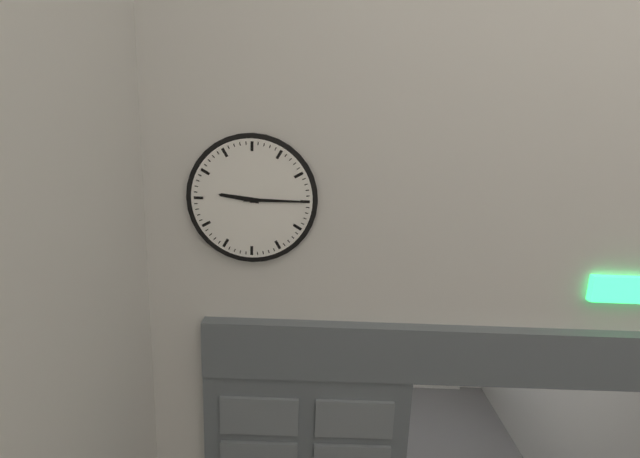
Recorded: {"hour": 9, "minute": 15}
